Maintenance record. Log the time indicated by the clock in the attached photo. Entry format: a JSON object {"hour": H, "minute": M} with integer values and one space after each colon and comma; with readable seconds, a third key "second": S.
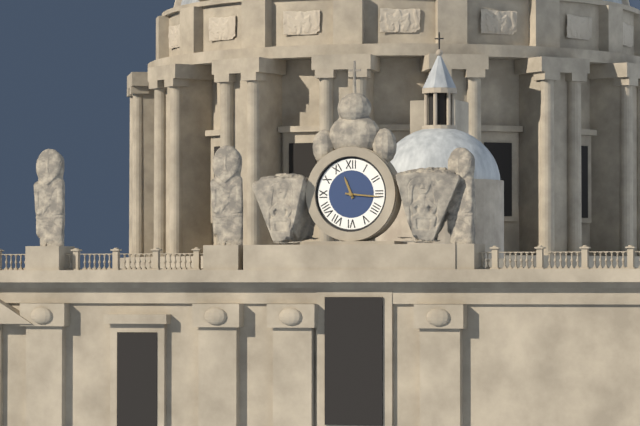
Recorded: {"hour": 11, "minute": 16}
